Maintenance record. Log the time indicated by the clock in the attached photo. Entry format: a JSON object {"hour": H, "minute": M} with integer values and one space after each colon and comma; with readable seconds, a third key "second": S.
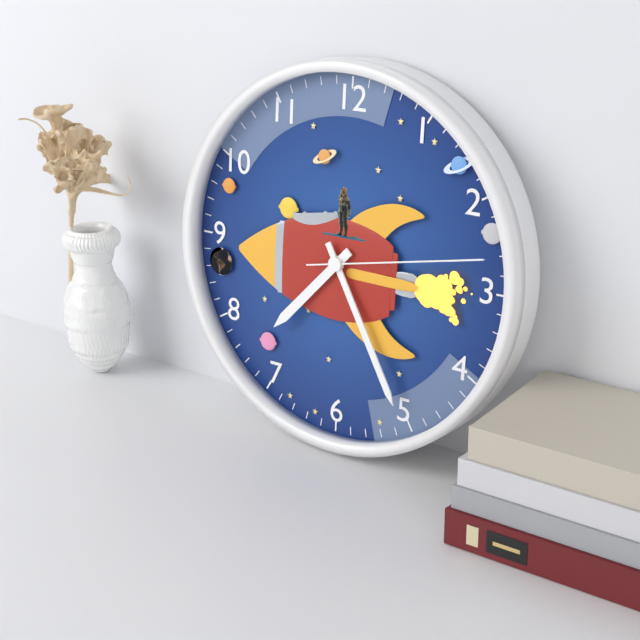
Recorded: {"hour": 7, "minute": 25, "second": 13}
